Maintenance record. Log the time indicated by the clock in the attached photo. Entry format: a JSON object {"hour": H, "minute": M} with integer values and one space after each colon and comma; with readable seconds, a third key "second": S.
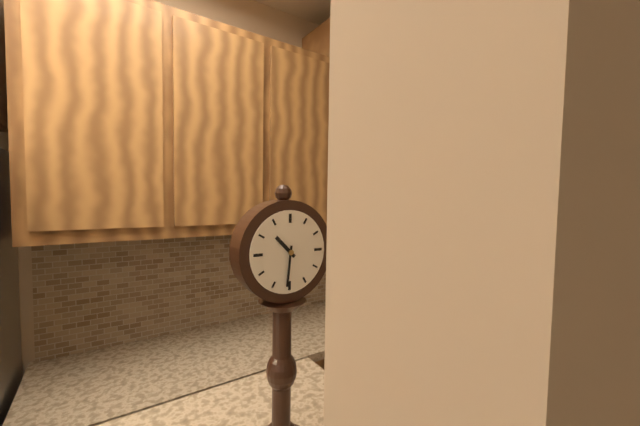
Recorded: {"hour": 10, "minute": 31}
